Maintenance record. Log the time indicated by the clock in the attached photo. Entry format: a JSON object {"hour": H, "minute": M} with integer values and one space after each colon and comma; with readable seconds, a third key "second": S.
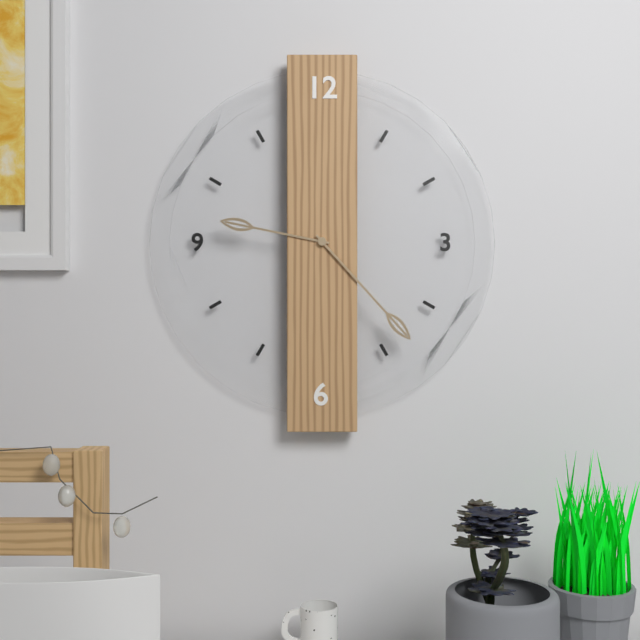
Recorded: {"hour": 9, "minute": 23}
